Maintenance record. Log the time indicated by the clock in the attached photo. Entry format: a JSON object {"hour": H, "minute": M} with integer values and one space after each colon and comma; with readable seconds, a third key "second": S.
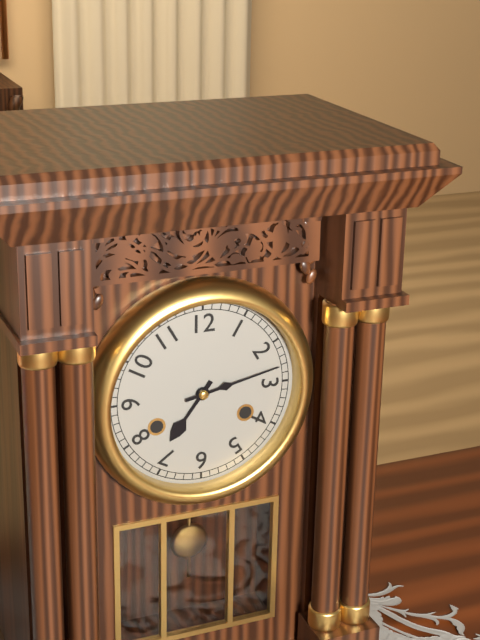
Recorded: {"hour": 7, "minute": 13}
